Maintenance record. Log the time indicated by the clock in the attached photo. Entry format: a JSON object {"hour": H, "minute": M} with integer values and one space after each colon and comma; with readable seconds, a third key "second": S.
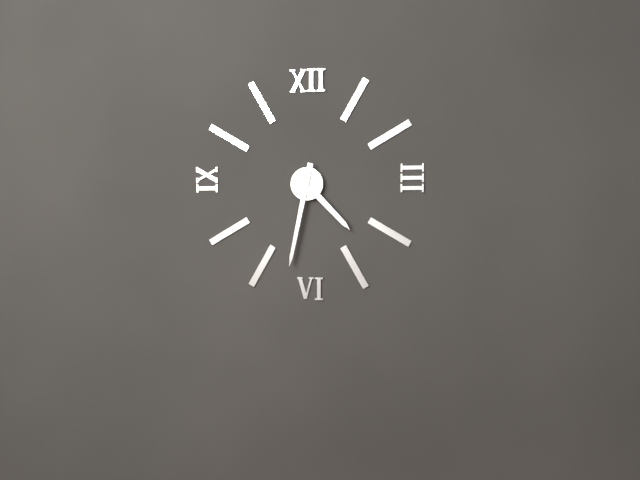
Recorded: {"hour": 4, "minute": 32}
